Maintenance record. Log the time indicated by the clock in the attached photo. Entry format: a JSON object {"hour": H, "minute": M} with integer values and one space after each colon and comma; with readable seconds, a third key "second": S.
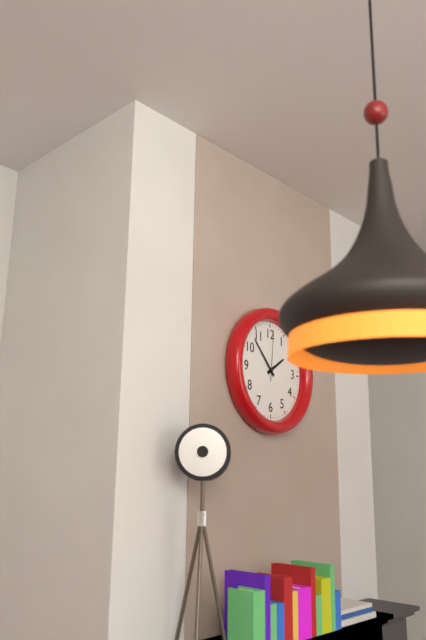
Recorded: {"hour": 1, "minute": 53, "second": 1}
